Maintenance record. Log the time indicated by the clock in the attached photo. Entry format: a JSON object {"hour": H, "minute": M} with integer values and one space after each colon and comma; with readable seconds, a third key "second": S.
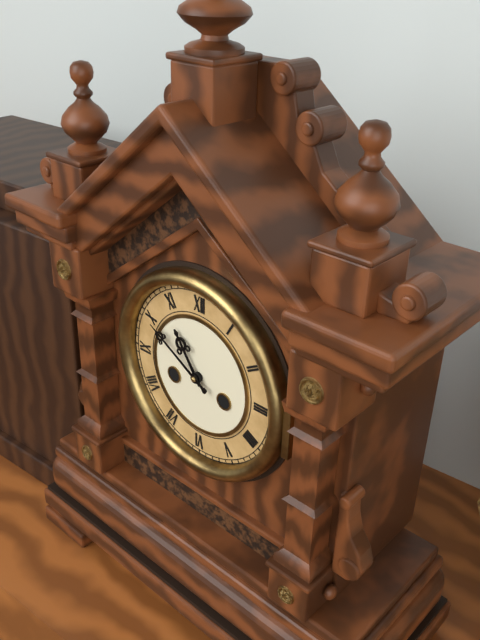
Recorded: {"hour": 10, "minute": 50}
